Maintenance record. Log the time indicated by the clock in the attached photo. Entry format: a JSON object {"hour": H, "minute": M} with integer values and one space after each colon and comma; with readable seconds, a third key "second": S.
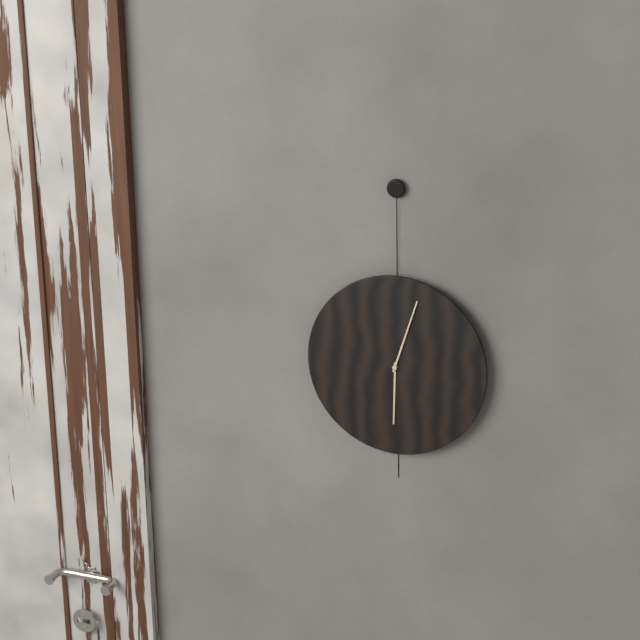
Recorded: {"hour": 6, "minute": 3}
